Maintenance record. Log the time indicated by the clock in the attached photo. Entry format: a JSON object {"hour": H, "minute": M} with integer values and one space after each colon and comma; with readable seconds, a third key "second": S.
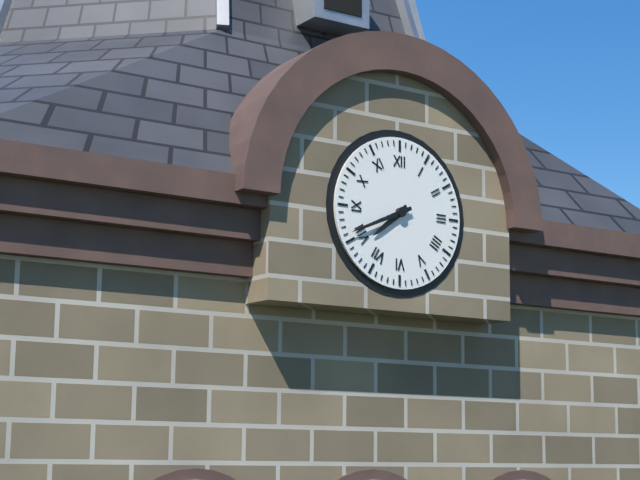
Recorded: {"hour": 7, "minute": 41}
